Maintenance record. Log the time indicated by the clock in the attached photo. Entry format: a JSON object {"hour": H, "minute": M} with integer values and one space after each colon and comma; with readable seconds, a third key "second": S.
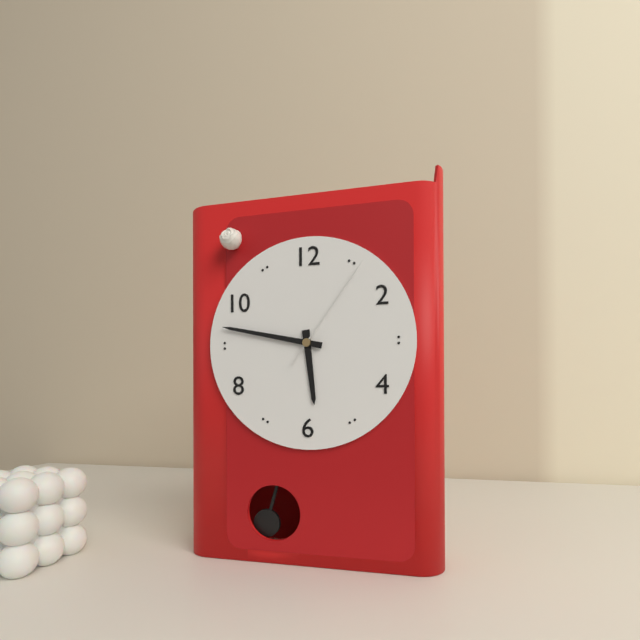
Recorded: {"hour": 5, "minute": 47, "second": 6}
